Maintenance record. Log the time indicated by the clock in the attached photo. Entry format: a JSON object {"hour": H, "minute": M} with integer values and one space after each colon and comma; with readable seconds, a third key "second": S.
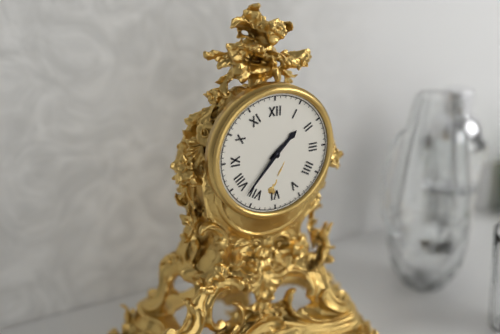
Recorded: {"hour": 1, "minute": 37}
